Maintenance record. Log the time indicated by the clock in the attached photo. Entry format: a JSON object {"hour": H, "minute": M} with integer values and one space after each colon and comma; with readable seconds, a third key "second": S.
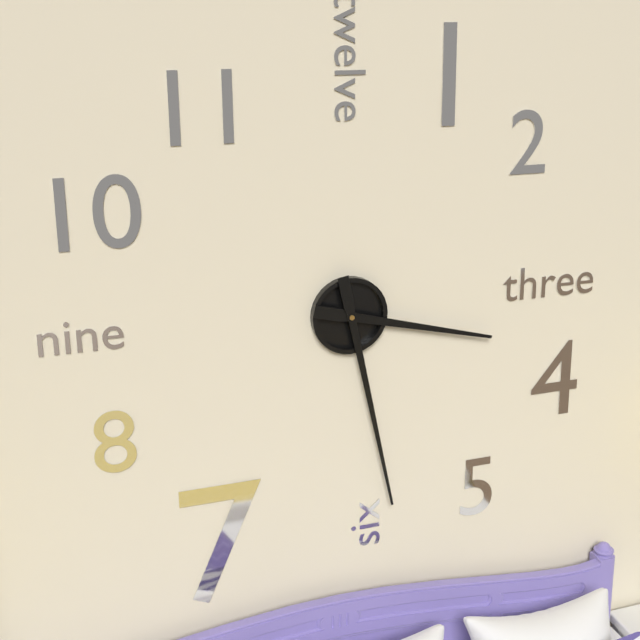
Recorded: {"hour": 3, "minute": 28}
